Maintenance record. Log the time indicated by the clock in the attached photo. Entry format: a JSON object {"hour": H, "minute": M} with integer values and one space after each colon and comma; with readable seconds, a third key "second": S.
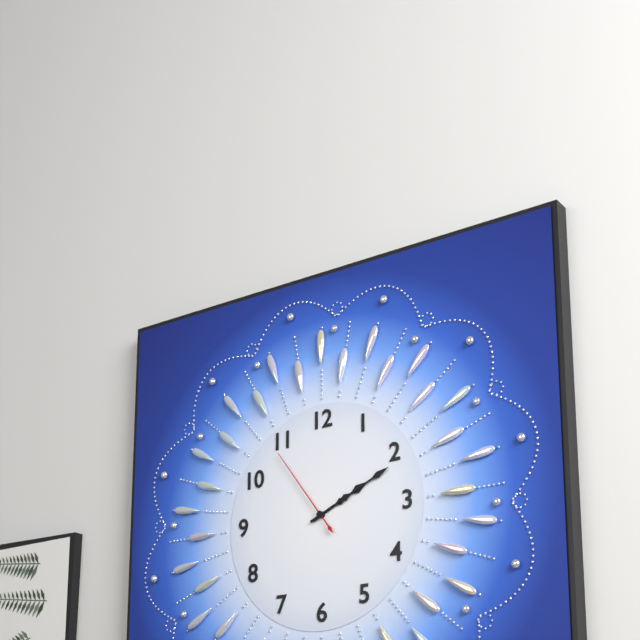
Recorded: {"hour": 2, "minute": 11, "second": 54}
